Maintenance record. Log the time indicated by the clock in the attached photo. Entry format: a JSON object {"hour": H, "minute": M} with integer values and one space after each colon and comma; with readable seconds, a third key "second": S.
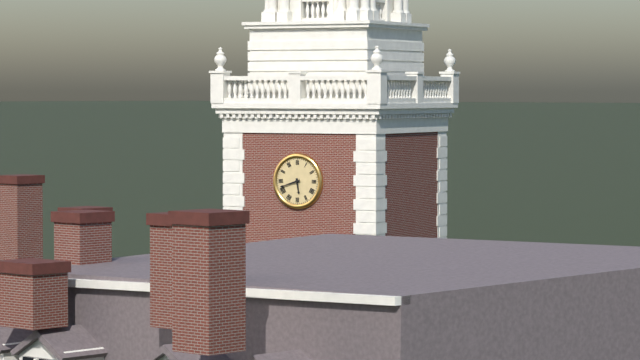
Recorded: {"hour": 5, "minute": 42}
